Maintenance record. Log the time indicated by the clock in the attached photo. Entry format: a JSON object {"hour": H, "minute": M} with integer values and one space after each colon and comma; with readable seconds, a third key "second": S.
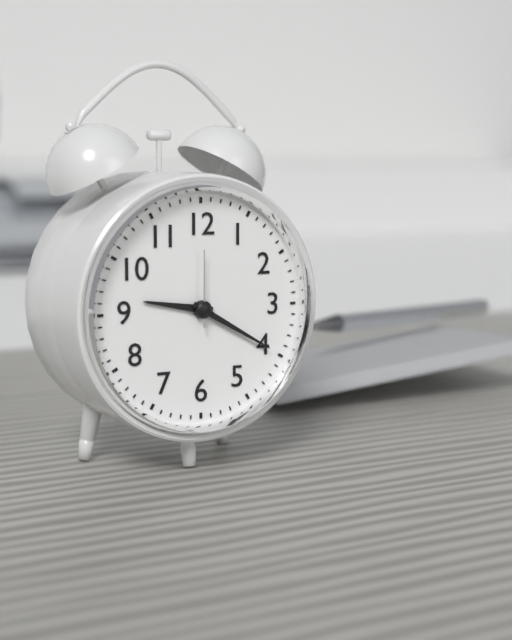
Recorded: {"hour": 9, "minute": 20, "second": 0}
